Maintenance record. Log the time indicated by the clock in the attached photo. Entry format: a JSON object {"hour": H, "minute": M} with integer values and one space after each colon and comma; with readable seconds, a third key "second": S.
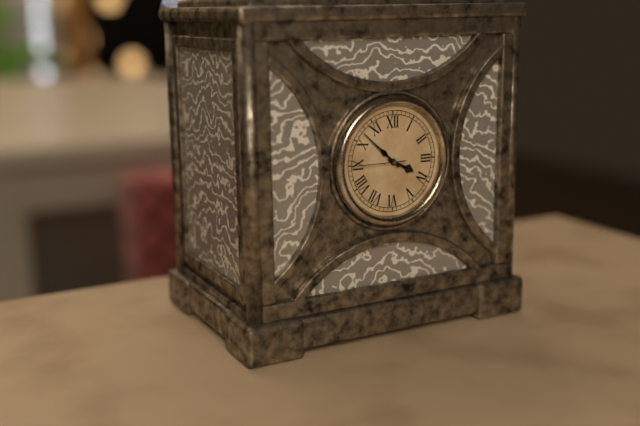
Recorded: {"hour": 3, "minute": 52, "second": 45}
